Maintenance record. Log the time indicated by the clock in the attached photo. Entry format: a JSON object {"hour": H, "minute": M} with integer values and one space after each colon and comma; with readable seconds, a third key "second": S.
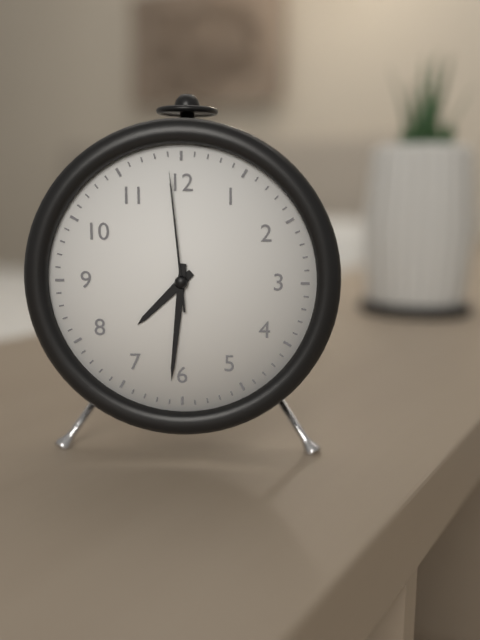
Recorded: {"hour": 7, "minute": 31, "second": 59}
